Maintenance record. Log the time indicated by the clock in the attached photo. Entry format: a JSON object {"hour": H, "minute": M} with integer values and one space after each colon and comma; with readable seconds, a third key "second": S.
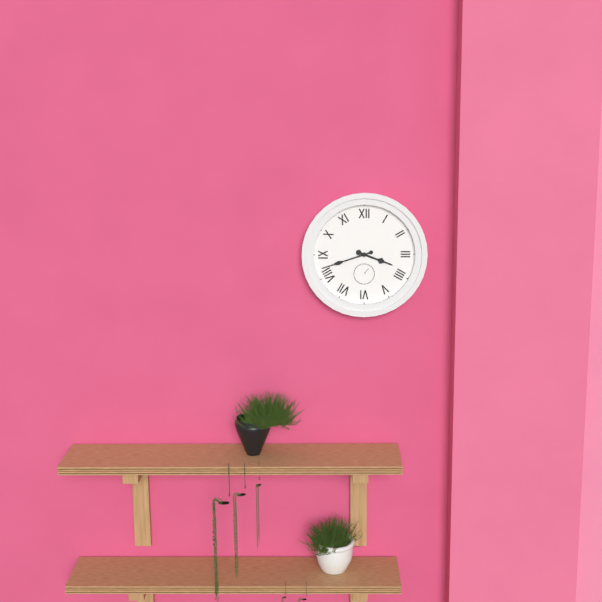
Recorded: {"hour": 3, "minute": 42}
